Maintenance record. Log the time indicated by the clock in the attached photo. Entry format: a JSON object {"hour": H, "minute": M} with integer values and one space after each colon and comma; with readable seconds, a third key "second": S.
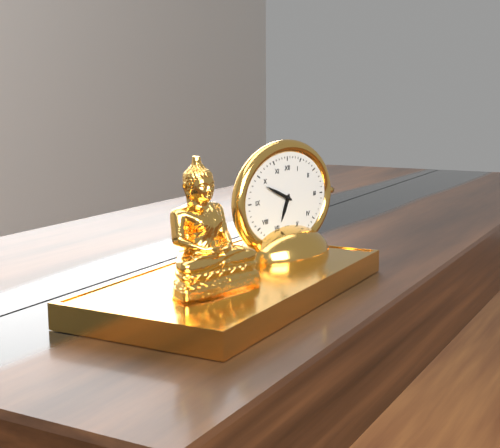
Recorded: {"hour": 6, "minute": 49}
